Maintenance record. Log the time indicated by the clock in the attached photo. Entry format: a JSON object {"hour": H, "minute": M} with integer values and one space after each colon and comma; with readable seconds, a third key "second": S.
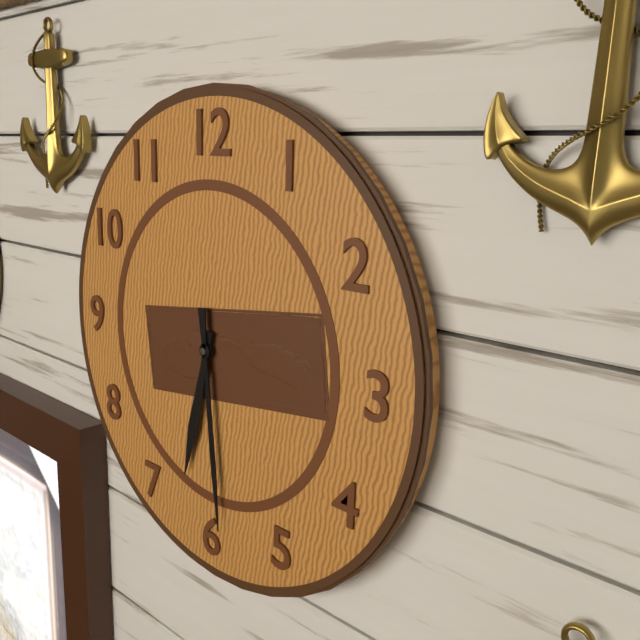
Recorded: {"hour": 6, "minute": 29}
